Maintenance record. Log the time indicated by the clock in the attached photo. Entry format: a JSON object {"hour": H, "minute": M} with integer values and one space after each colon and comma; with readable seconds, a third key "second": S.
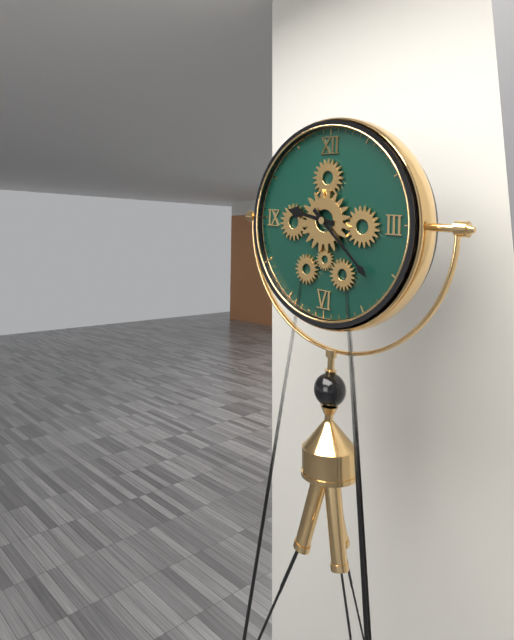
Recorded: {"hour": 9, "minute": 22}
